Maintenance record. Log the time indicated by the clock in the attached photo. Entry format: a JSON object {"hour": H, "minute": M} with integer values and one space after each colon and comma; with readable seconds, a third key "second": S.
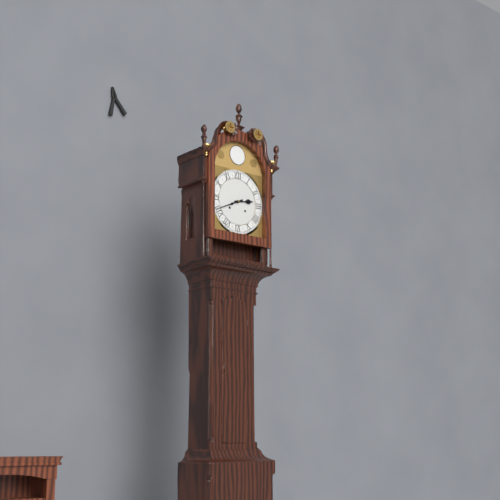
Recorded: {"hour": 2, "minute": 41}
